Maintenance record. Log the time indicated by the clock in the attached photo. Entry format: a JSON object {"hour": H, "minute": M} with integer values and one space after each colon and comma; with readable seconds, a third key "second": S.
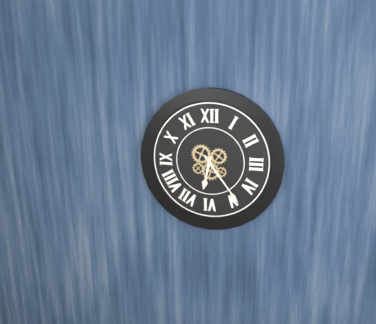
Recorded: {"hour": 6, "minute": 24}
